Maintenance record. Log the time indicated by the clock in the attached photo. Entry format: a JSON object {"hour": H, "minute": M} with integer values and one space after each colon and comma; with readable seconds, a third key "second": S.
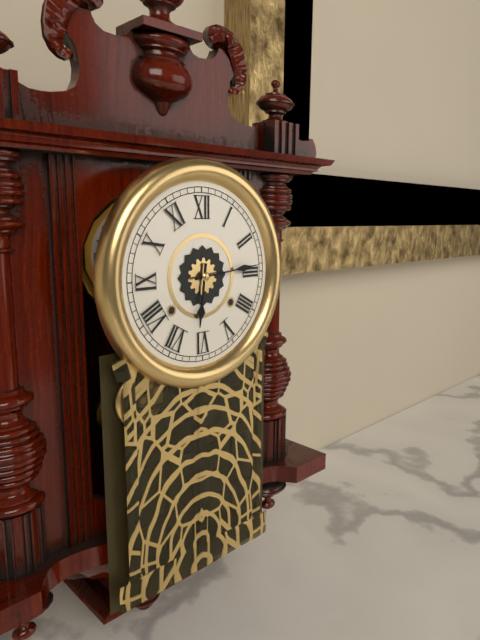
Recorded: {"hour": 6, "minute": 14}
